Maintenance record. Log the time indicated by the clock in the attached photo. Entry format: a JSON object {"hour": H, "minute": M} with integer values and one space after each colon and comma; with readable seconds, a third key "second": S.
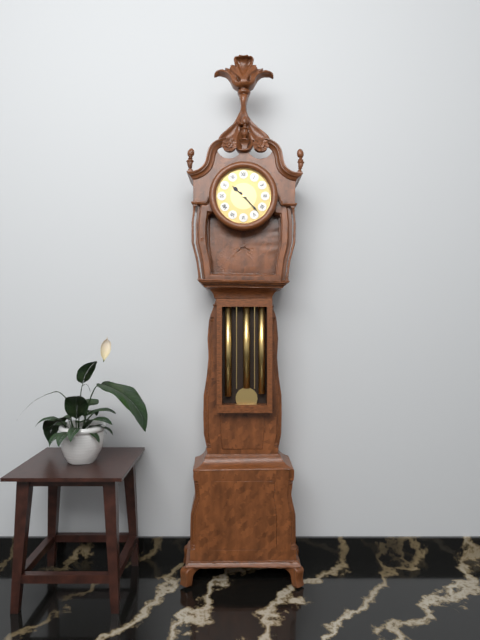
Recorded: {"hour": 10, "minute": 23}
